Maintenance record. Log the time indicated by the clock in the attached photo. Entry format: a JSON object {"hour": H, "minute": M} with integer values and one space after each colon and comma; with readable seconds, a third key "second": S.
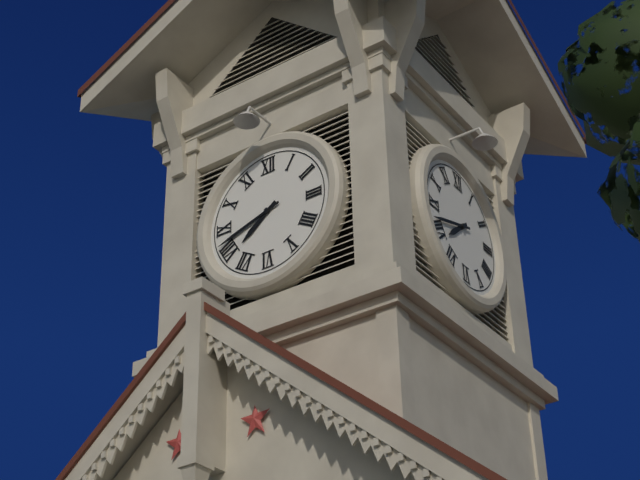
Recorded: {"hour": 7, "minute": 42}
